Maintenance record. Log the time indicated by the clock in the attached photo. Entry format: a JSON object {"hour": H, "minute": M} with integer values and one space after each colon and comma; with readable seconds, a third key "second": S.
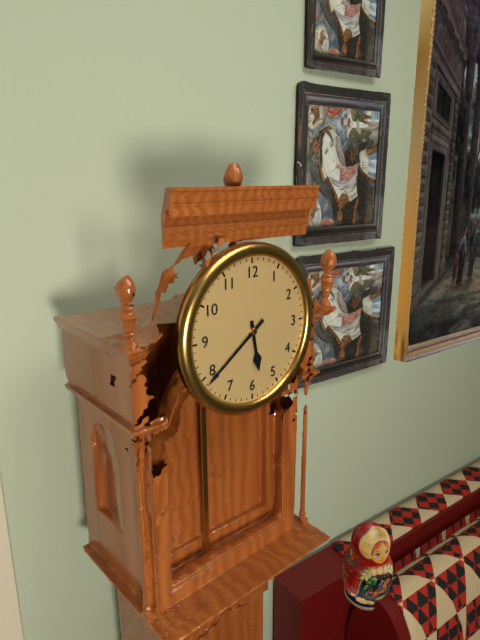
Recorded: {"hour": 5, "minute": 39}
